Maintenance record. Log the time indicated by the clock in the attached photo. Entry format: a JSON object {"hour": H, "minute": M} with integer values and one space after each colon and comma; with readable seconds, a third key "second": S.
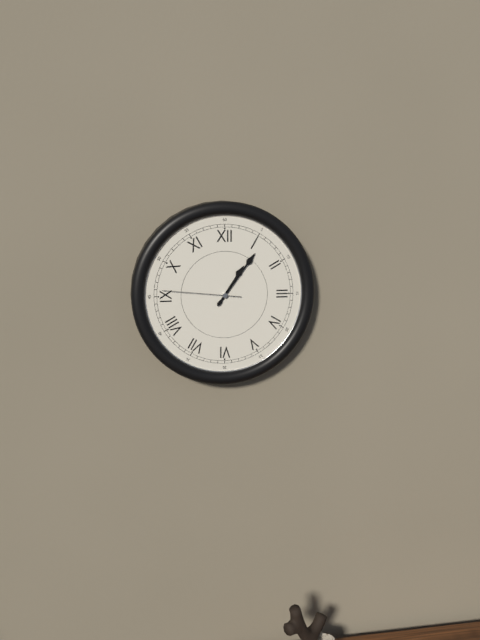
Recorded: {"hour": 1, "minute": 6, "second": 46}
